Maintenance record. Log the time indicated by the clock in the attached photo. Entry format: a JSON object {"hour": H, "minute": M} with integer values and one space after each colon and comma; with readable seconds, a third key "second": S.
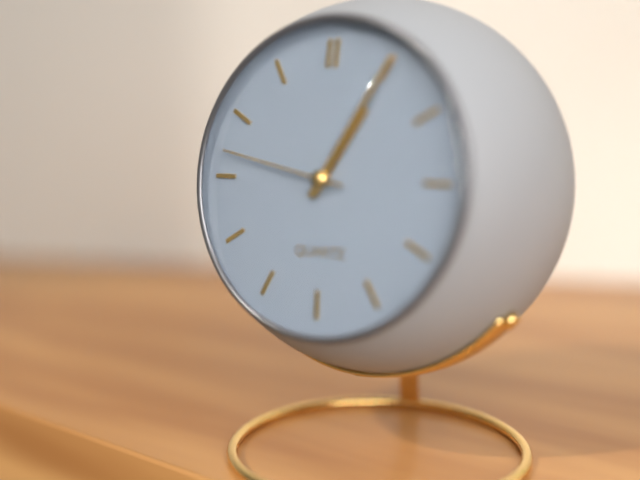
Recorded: {"hour": 1, "minute": 5, "second": 47}
